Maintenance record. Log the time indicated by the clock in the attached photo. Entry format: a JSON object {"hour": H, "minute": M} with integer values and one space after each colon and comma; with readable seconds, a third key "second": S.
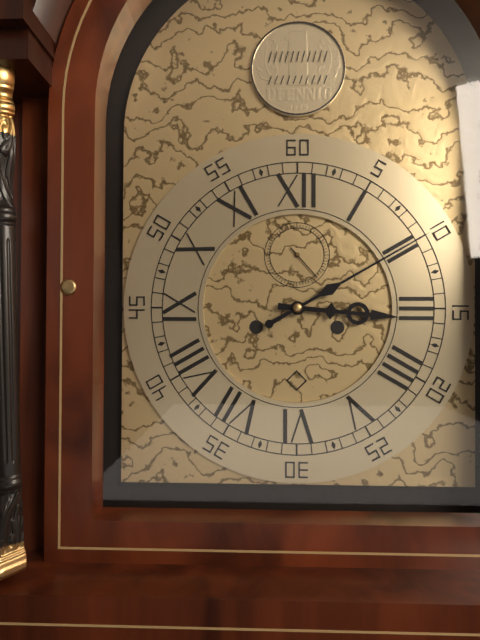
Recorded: {"hour": 3, "minute": 10}
